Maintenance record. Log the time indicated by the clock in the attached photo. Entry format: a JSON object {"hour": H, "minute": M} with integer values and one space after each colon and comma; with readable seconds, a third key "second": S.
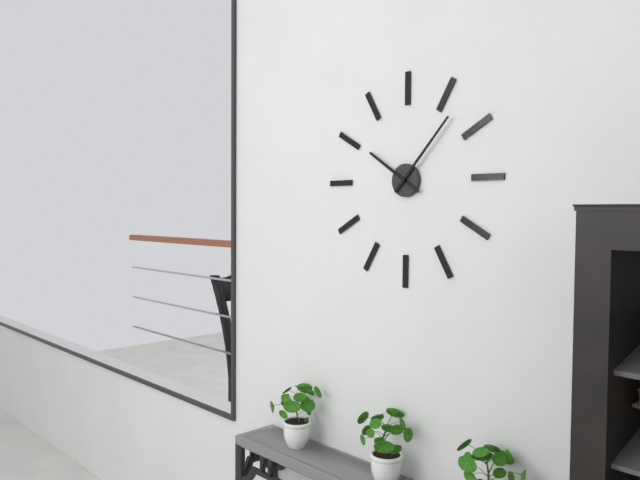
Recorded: {"hour": 10, "minute": 7}
